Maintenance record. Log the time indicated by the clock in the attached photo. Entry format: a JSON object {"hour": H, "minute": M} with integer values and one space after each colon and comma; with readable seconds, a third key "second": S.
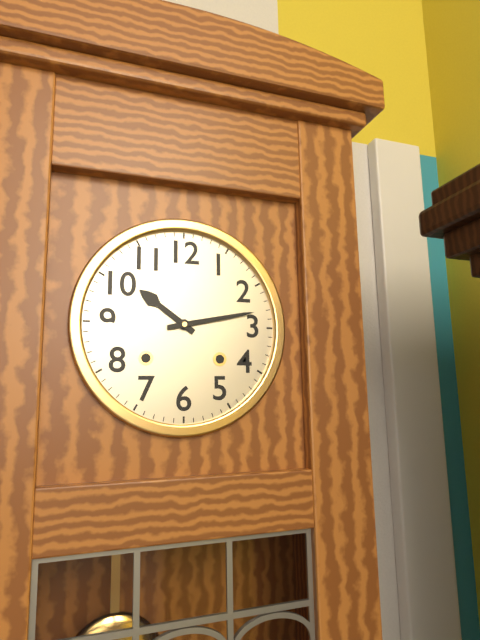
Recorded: {"hour": 10, "minute": 13}
